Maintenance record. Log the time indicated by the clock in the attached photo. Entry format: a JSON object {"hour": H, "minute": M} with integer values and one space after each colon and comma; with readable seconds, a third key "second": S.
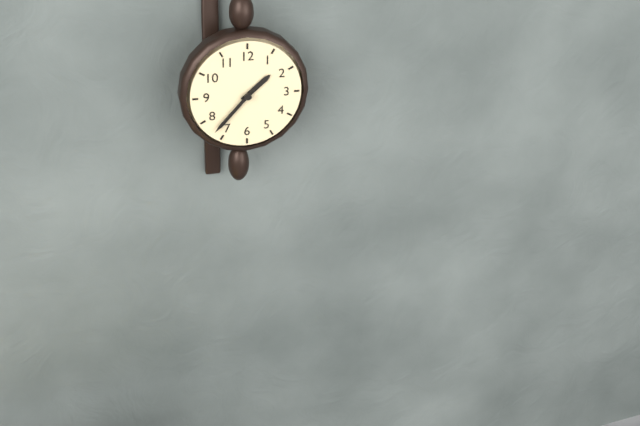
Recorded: {"hour": 1, "minute": 37}
